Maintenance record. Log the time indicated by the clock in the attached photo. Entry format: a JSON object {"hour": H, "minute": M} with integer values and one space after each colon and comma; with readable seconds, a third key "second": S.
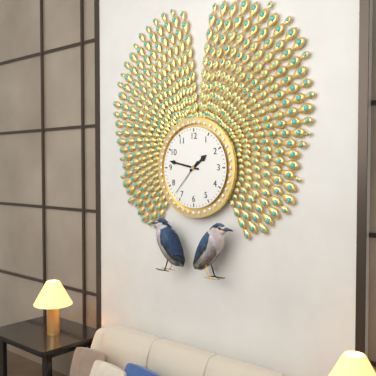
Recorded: {"hour": 1, "minute": 47}
